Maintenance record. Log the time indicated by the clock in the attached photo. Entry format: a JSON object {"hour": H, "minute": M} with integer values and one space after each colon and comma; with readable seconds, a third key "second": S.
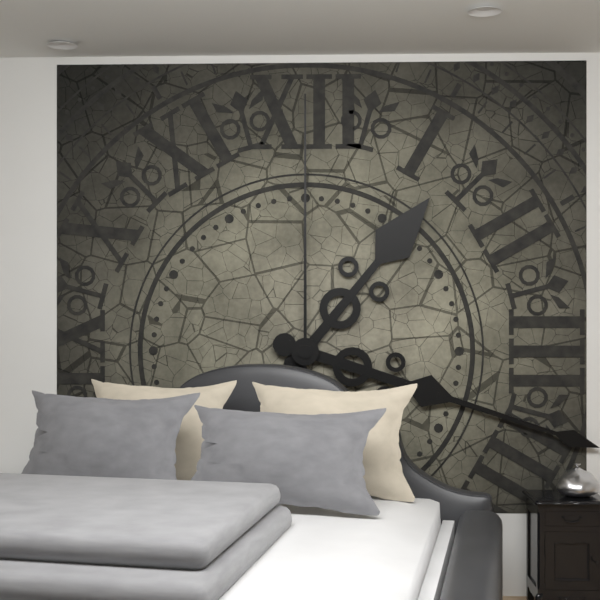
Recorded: {"hour": 1, "minute": 18, "second": 0}
